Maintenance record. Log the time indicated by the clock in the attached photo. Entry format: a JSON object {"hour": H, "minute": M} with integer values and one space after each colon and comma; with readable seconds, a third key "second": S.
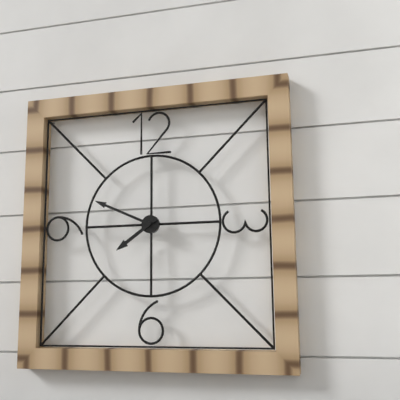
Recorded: {"hour": 7, "minute": 49}
